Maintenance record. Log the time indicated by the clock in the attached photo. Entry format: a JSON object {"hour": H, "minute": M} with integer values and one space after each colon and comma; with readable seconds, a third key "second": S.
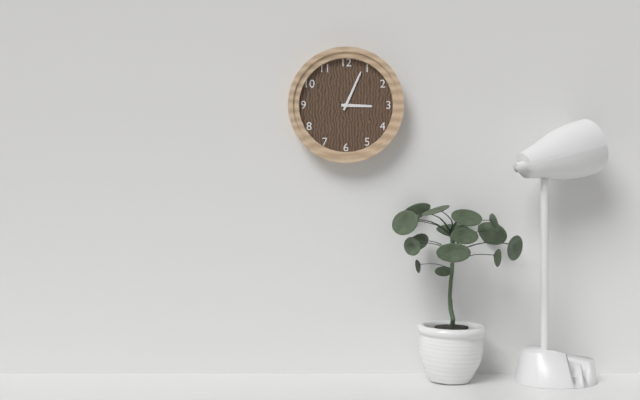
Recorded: {"hour": 3, "minute": 4}
